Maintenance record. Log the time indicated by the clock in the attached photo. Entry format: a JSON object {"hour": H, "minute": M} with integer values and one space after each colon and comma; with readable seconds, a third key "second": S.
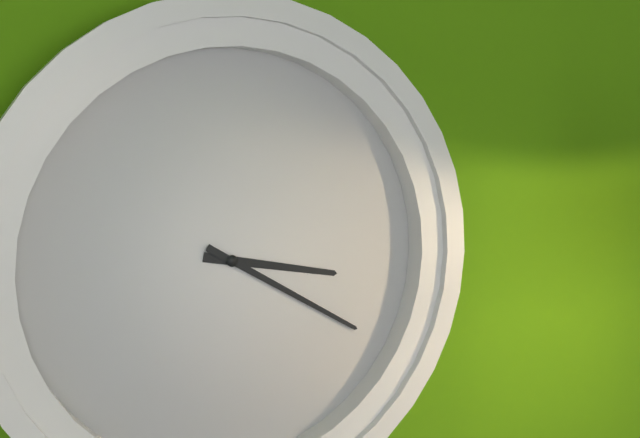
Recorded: {"hour": 3, "minute": 20}
